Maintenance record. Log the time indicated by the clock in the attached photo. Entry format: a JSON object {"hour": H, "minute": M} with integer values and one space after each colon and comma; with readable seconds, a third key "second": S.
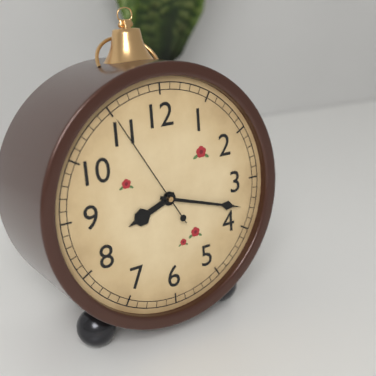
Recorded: {"hour": 8, "minute": 18, "second": 55}
